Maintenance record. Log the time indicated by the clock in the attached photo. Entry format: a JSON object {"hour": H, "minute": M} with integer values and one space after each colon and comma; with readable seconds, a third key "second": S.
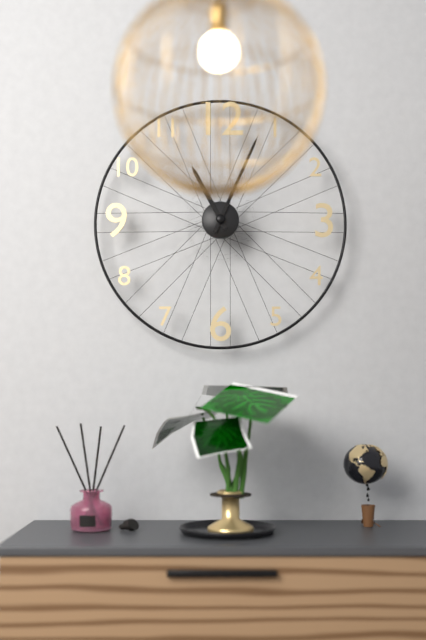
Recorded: {"hour": 11, "minute": 4}
